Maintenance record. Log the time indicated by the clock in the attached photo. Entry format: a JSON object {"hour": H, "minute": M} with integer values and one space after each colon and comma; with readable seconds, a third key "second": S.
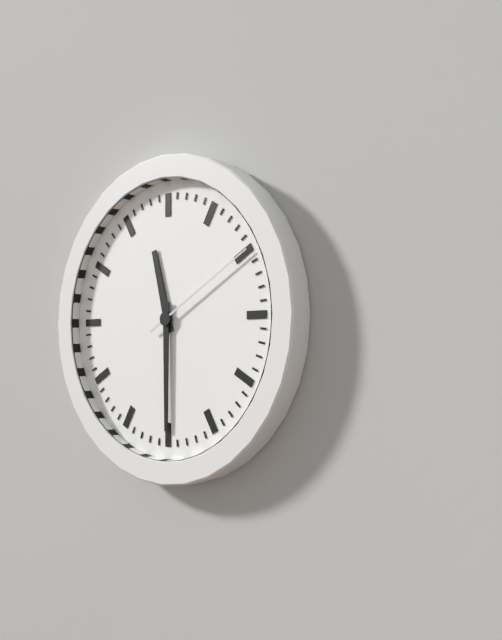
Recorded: {"hour": 11, "minute": 30, "second": 10}
